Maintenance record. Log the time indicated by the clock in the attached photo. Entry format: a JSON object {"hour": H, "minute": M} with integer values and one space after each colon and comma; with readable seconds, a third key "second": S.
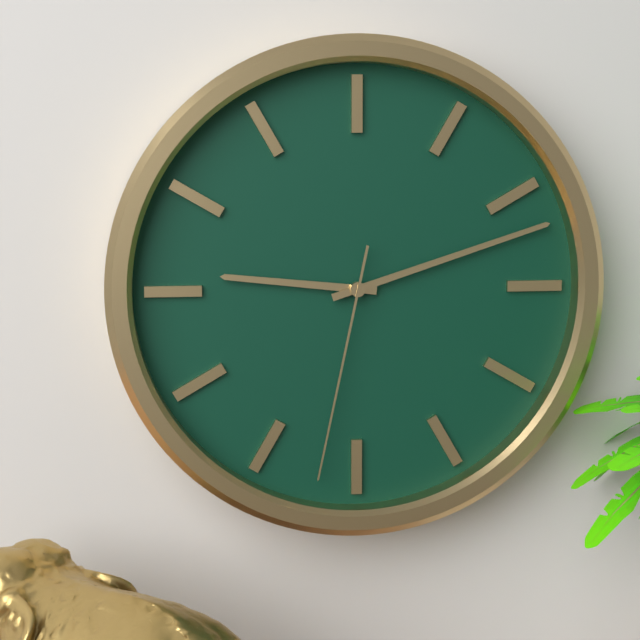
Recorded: {"hour": 9, "minute": 12, "second": 32}
